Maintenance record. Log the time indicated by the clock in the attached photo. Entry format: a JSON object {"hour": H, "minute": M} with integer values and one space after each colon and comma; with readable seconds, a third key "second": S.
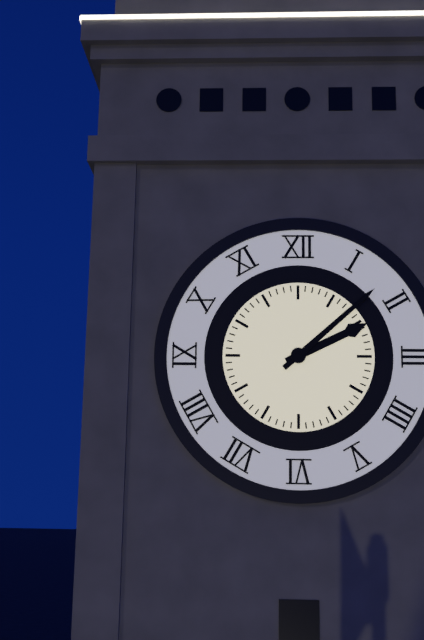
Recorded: {"hour": 2, "minute": 8}
